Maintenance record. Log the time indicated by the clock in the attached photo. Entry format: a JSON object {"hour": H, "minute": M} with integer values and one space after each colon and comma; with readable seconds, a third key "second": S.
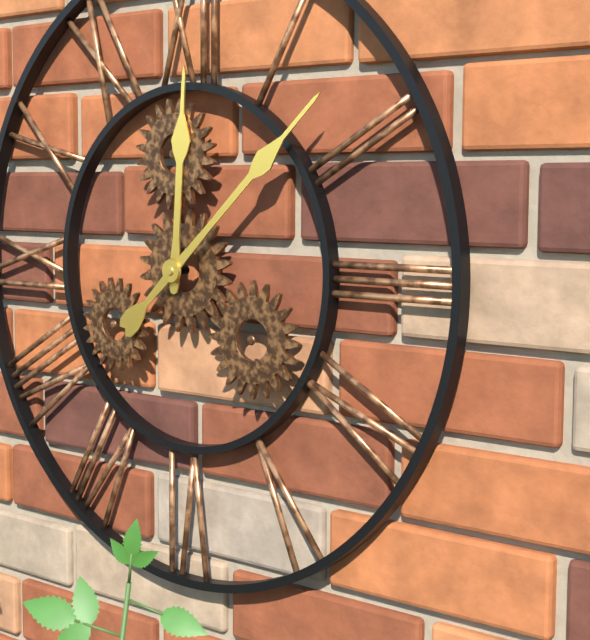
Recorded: {"hour": 12, "minute": 8}
